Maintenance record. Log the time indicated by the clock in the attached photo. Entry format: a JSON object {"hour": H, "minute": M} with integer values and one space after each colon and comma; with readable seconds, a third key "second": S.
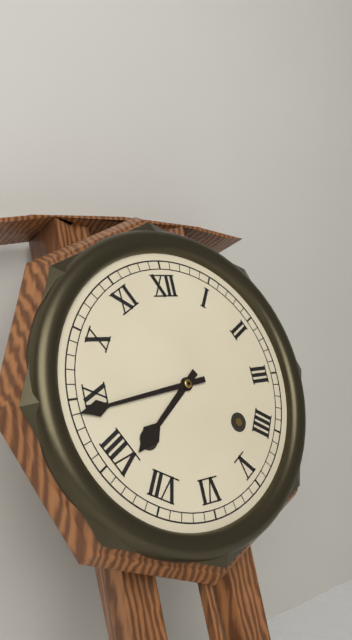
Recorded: {"hour": 7, "minute": 44}
